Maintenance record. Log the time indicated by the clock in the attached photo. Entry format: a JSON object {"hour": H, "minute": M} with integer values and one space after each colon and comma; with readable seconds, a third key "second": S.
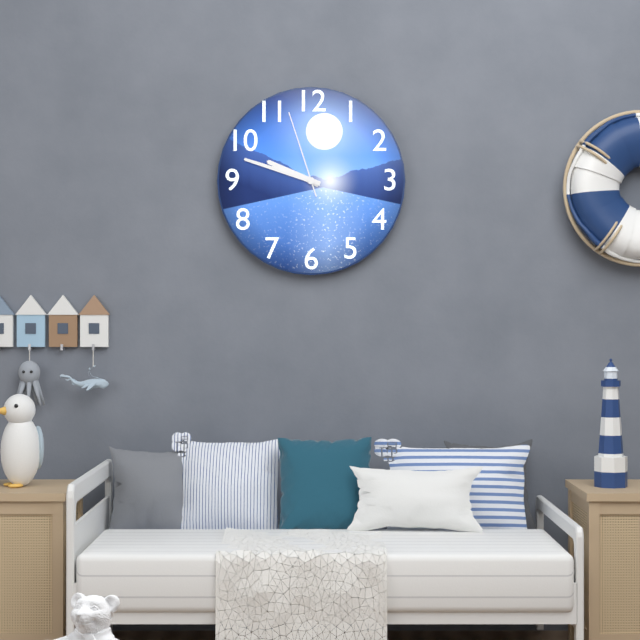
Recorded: {"hour": 9, "minute": 48, "second": 57}
